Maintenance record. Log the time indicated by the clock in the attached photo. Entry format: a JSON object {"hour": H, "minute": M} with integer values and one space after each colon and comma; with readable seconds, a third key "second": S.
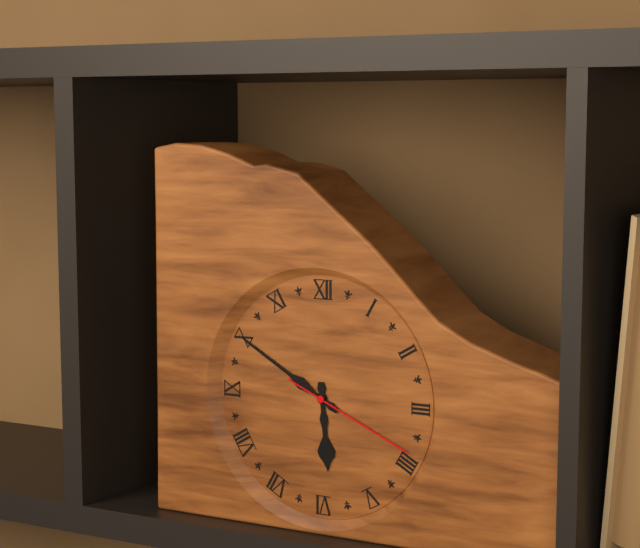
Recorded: {"hour": 5, "minute": 50, "second": 19}
